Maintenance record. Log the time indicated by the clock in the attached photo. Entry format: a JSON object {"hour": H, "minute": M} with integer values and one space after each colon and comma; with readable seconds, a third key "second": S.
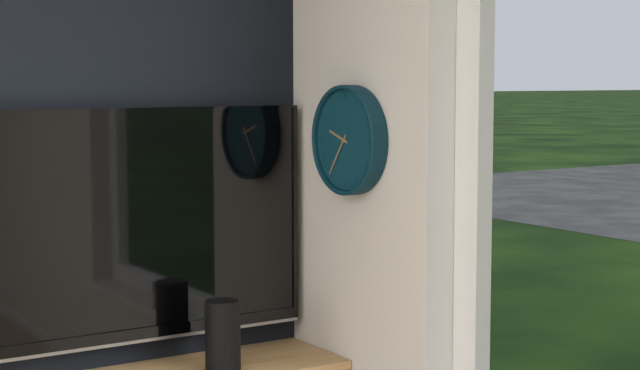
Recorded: {"hour": 9, "minute": 36}
